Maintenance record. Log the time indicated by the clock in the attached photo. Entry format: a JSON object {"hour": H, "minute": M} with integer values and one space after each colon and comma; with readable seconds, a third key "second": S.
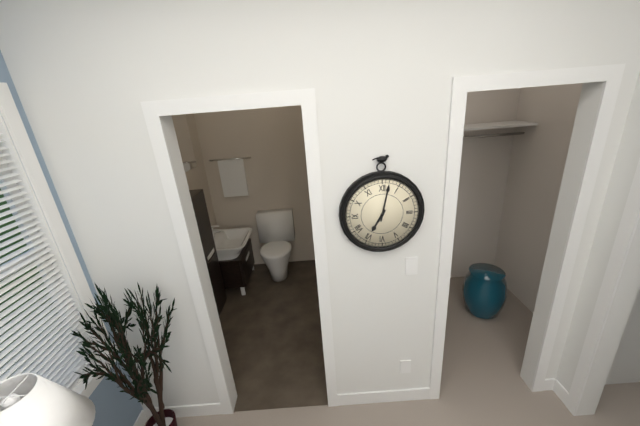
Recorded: {"hour": 7, "minute": 2}
